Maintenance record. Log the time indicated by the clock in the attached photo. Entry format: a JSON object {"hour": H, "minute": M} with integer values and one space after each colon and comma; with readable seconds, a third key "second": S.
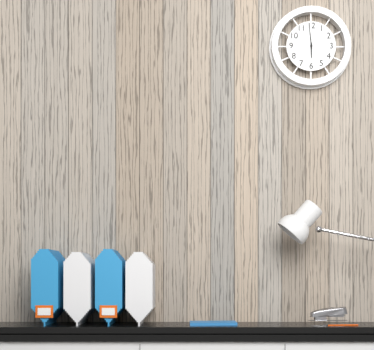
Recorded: {"hour": 5, "minute": 59}
